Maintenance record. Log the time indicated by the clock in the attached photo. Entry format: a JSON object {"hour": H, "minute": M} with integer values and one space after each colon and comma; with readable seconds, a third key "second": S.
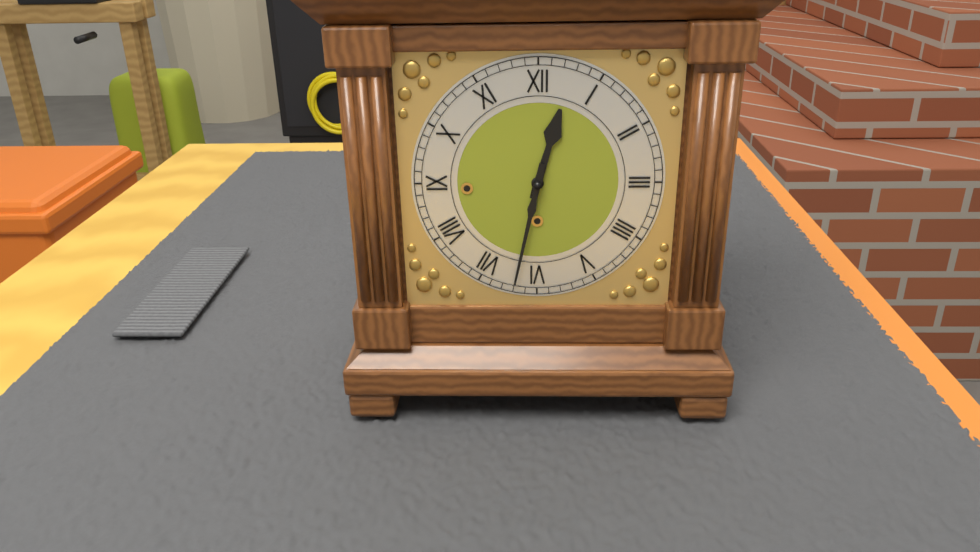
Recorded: {"hour": 12, "minute": 32}
